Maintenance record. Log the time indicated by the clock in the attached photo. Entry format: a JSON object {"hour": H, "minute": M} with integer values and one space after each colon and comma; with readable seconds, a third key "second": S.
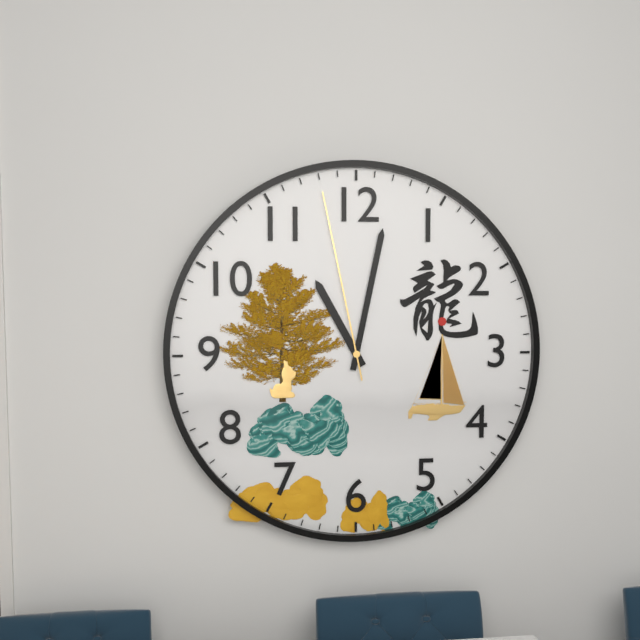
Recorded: {"hour": 11, "minute": 2, "second": 58}
